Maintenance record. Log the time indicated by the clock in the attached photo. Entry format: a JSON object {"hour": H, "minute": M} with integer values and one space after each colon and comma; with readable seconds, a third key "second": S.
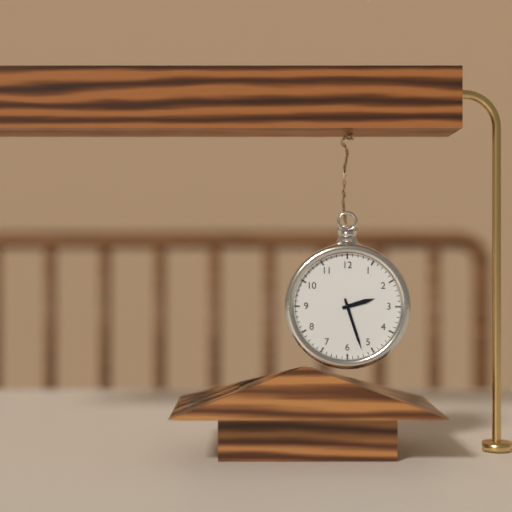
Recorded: {"hour": 2, "minute": 27}
